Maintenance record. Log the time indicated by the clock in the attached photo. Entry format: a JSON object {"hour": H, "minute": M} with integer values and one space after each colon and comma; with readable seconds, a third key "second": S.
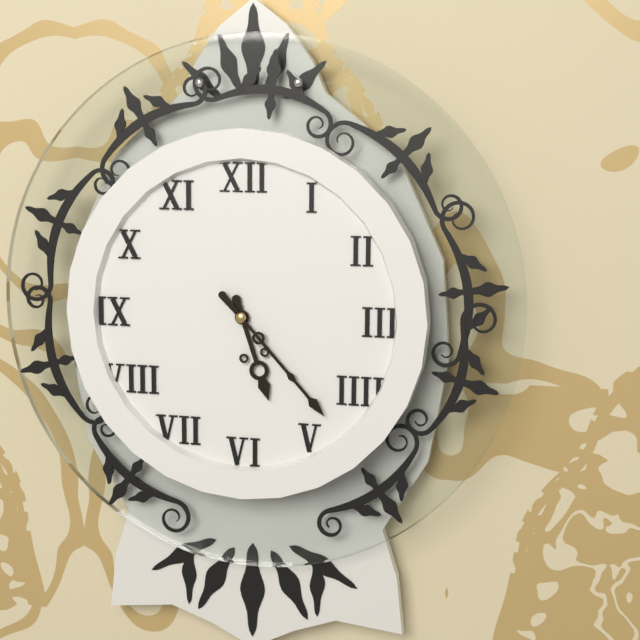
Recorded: {"hour": 5, "minute": 23}
